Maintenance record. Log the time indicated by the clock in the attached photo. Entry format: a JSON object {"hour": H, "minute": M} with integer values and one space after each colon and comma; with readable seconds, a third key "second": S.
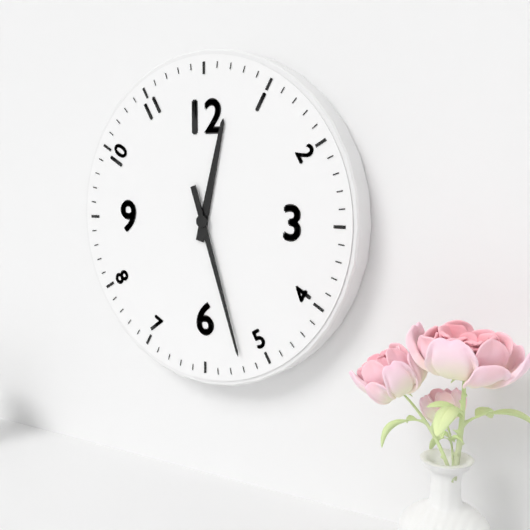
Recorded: {"hour": 12, "minute": 27}
